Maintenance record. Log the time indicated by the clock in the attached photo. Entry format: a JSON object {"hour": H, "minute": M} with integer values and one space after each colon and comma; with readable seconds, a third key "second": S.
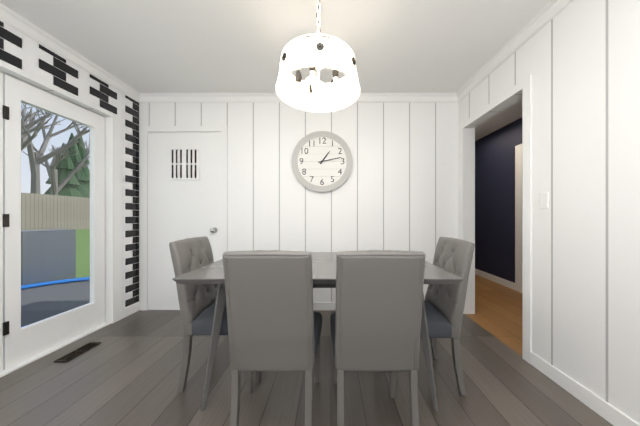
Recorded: {"hour": 1, "minute": 13}
